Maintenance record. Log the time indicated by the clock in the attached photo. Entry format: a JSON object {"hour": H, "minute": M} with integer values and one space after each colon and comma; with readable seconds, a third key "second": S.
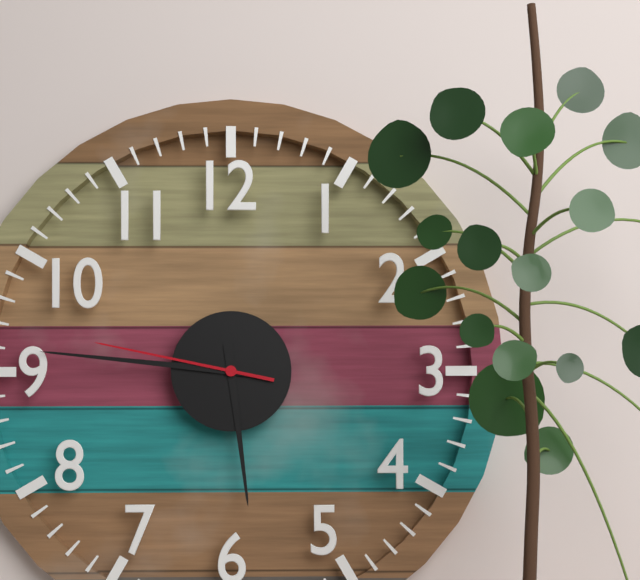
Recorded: {"hour": 5, "minute": 46, "second": 47}
